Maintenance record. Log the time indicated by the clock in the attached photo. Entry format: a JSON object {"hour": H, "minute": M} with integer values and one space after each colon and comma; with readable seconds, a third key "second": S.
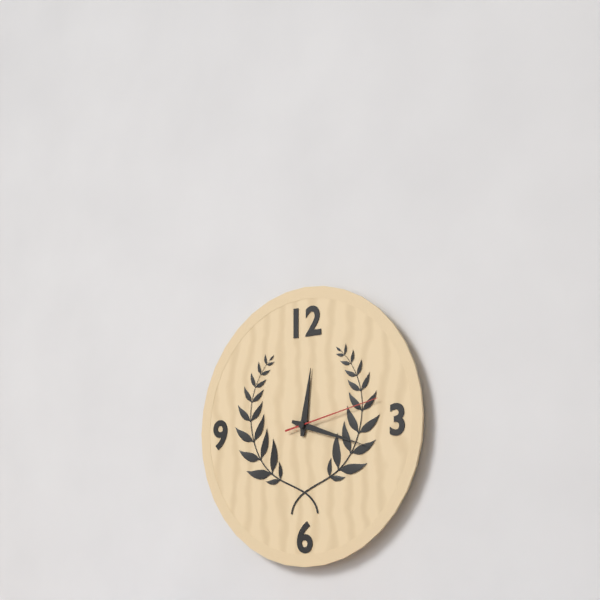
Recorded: {"hour": 12, "minute": 18, "second": 13}
